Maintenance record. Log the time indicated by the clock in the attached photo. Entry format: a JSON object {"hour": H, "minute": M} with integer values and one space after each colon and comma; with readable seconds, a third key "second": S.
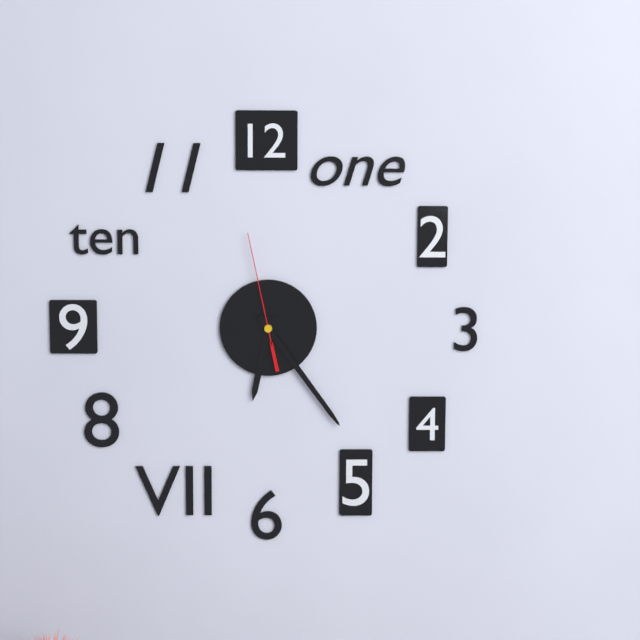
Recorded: {"hour": 6, "minute": 24, "second": 58}
